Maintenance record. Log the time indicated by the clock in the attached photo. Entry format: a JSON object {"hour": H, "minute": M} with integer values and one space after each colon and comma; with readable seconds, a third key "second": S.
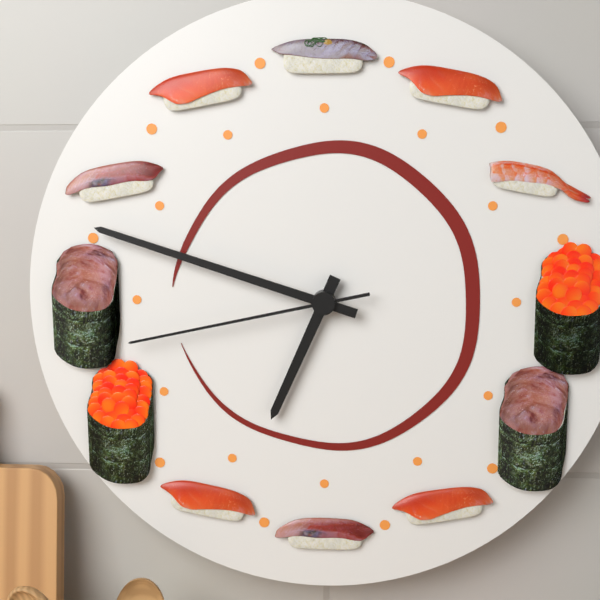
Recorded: {"hour": 6, "minute": 48, "second": 43}
